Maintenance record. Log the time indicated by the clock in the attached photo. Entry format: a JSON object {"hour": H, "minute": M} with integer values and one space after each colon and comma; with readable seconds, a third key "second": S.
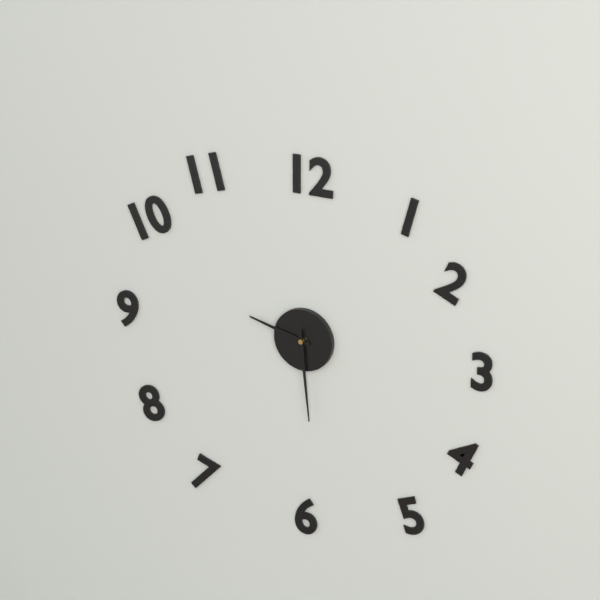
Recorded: {"hour": 9, "minute": 29}
